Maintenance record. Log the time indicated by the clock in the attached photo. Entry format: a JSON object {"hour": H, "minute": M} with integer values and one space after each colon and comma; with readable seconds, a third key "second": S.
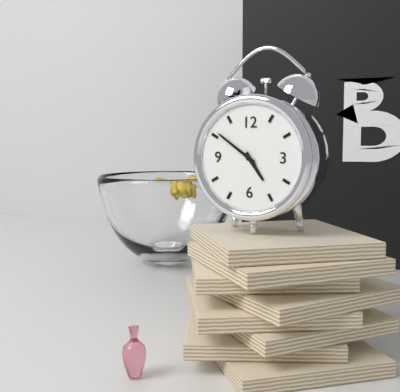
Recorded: {"hour": 4, "minute": 51}
